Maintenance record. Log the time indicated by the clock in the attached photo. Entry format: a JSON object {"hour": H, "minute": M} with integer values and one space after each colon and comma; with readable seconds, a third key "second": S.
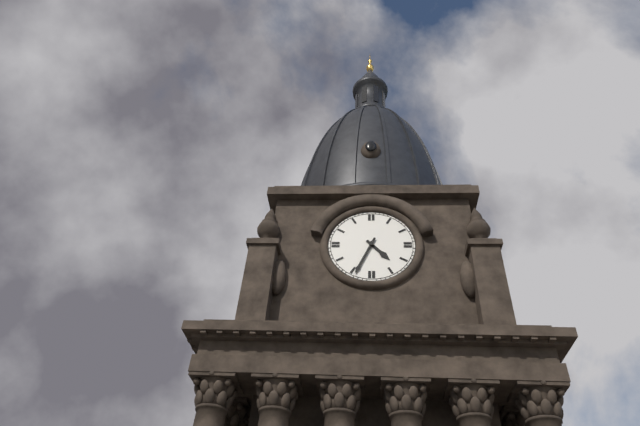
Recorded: {"hour": 4, "minute": 34}
